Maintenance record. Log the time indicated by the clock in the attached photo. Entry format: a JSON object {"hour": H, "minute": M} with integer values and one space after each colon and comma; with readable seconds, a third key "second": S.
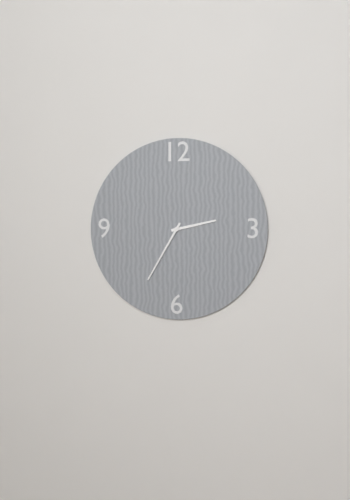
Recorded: {"hour": 2, "minute": 35}
